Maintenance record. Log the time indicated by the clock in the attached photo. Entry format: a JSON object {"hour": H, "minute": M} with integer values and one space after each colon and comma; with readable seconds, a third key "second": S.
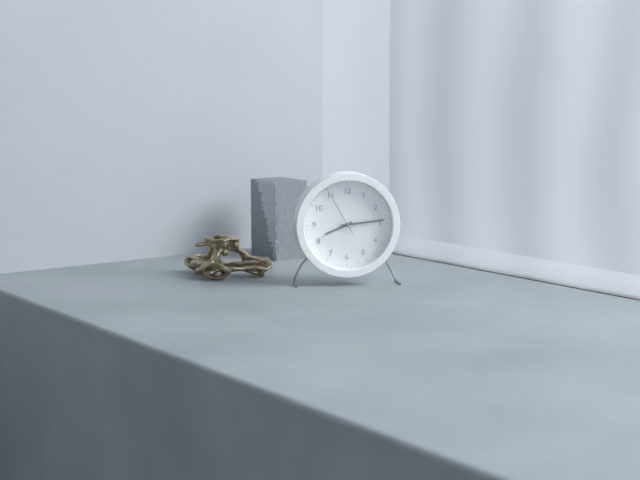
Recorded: {"hour": 8, "minute": 14}
